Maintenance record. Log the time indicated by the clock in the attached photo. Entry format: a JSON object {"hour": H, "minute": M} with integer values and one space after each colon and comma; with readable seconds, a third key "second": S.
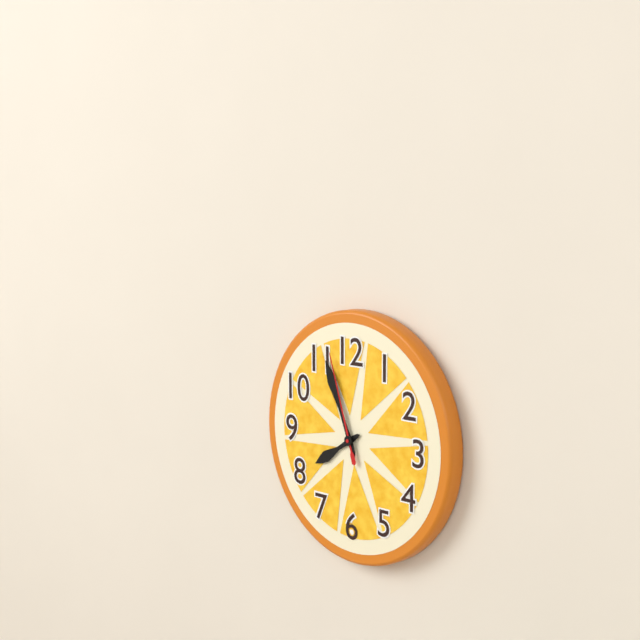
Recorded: {"hour": 7, "minute": 56, "second": 57}
